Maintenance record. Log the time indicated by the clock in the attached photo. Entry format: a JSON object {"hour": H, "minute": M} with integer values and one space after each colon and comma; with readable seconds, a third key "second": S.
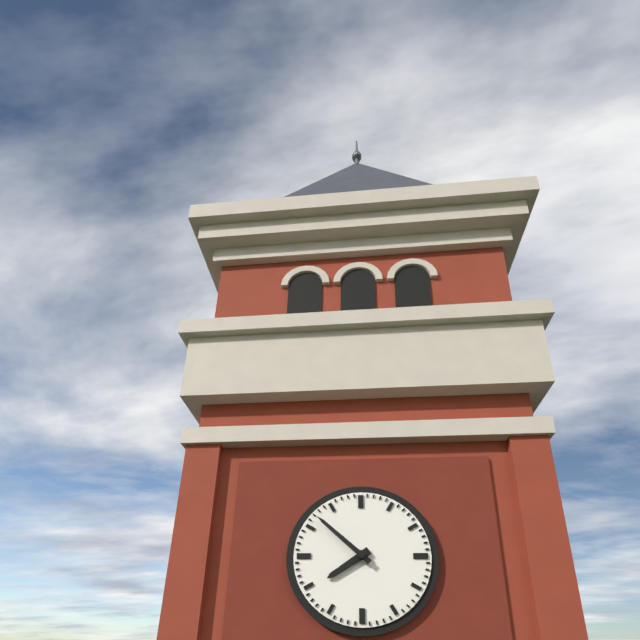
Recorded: {"hour": 7, "minute": 52}
